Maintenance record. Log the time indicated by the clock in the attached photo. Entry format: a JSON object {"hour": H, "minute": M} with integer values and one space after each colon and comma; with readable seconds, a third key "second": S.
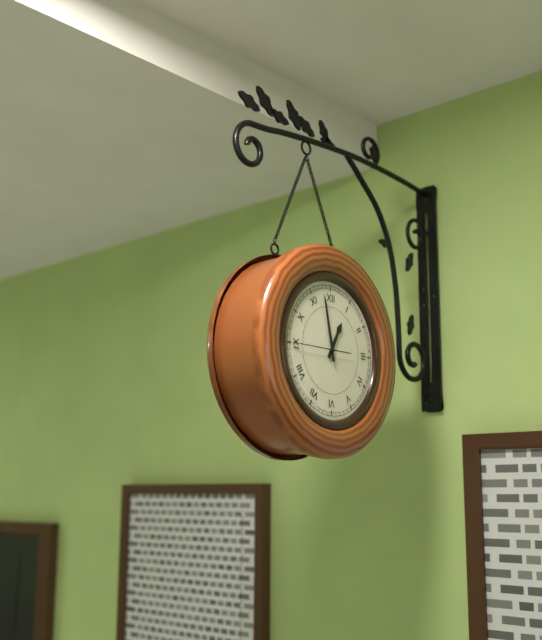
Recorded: {"hour": 12, "minute": 58}
